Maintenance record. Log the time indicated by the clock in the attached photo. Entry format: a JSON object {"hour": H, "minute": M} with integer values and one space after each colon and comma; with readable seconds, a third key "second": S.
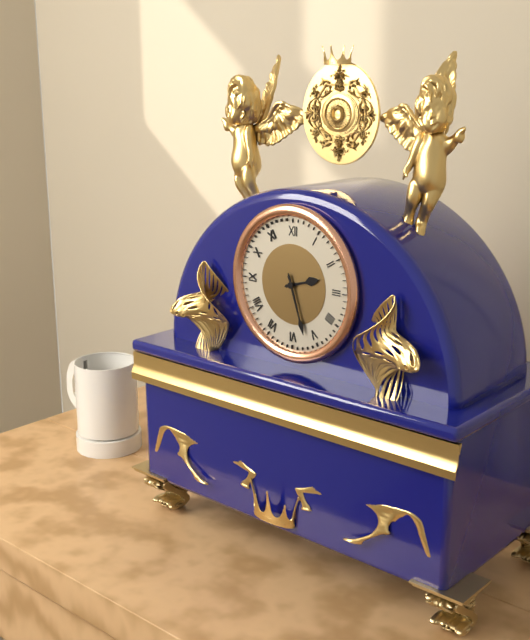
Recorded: {"hour": 2, "minute": 27}
